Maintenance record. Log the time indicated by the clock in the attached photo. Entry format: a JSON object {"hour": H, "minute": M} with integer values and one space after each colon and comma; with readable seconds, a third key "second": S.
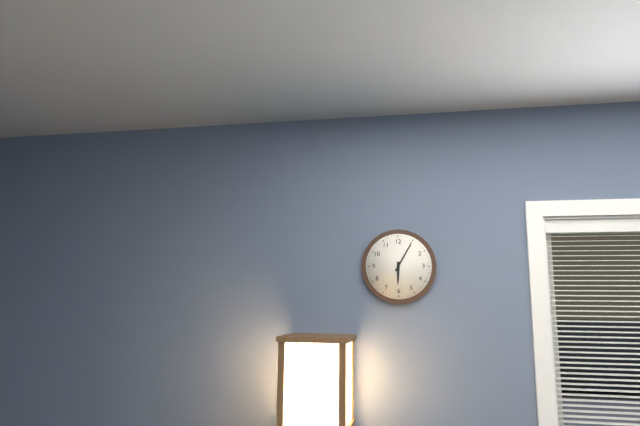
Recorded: {"hour": 6, "minute": 5}
